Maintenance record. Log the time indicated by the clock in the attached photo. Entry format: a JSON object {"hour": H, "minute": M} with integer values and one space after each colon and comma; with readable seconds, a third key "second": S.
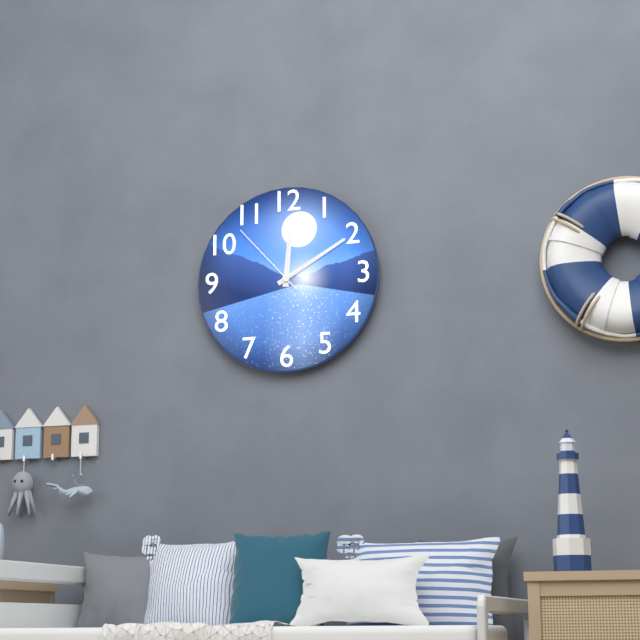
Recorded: {"hour": 12, "minute": 10, "second": 53}
